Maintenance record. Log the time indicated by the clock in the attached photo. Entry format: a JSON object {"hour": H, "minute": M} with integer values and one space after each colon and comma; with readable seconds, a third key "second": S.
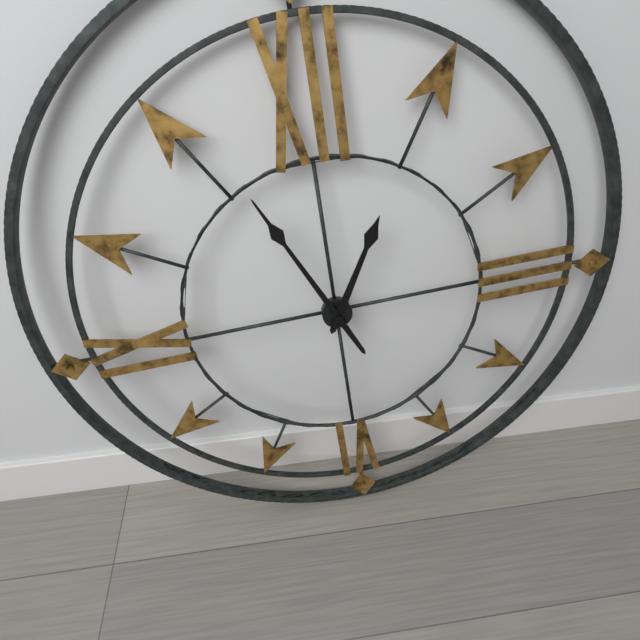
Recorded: {"hour": 12, "minute": 56}
